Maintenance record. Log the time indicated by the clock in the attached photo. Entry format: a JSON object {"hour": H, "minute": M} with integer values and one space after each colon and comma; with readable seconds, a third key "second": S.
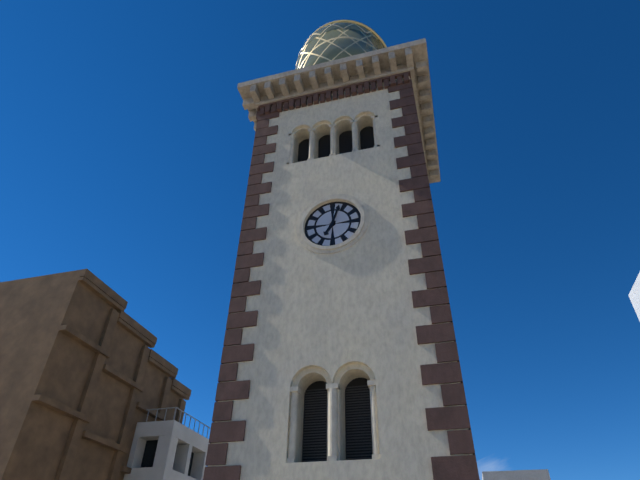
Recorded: {"hour": 7, "minute": 3}
